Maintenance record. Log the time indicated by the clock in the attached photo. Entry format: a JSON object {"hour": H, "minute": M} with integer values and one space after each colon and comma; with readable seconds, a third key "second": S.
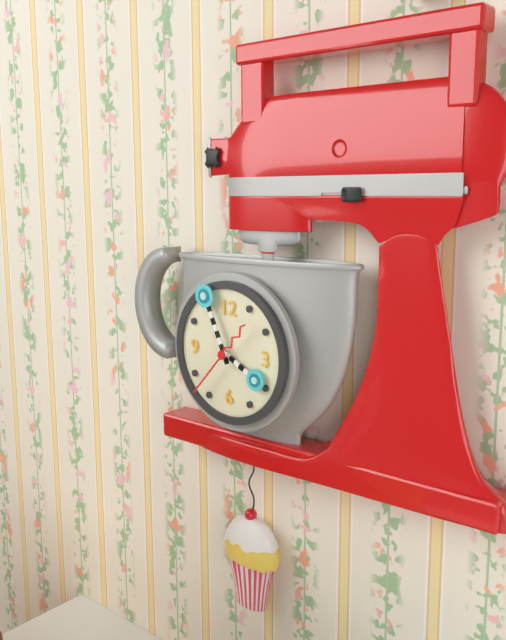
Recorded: {"hour": 3, "minute": 56, "second": 37}
